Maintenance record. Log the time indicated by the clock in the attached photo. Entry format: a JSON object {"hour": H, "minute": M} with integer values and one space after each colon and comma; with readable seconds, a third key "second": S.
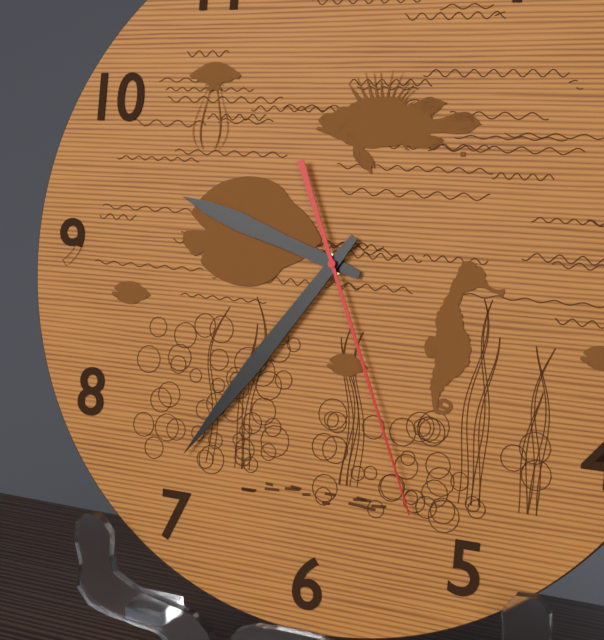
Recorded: {"hour": 9, "minute": 36, "second": 26}
